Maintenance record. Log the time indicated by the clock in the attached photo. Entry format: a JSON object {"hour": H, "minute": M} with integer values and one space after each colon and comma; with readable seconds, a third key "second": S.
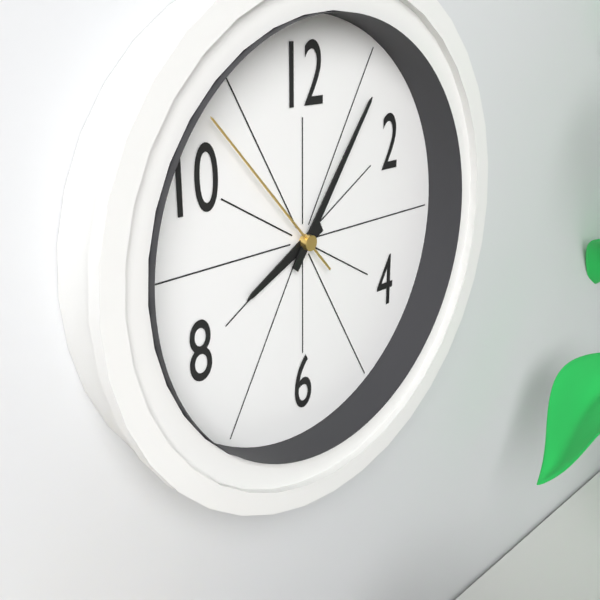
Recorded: {"hour": 8, "minute": 6, "second": 53}
